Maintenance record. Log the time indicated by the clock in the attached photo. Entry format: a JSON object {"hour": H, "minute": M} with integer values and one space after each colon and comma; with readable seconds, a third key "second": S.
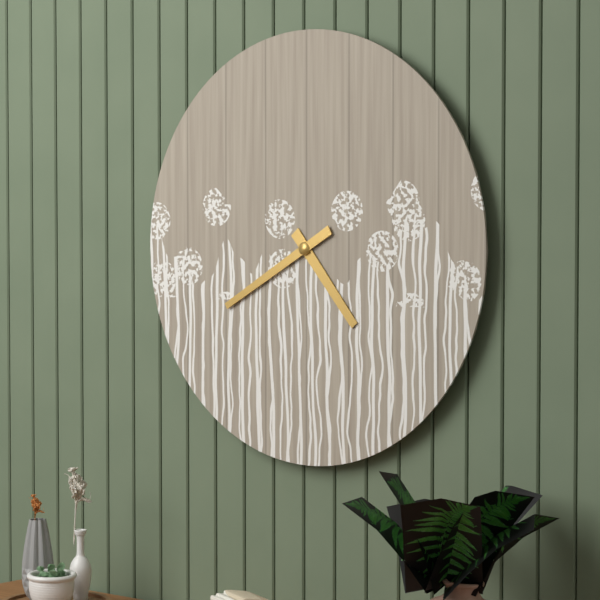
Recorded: {"hour": 4, "minute": 40}
